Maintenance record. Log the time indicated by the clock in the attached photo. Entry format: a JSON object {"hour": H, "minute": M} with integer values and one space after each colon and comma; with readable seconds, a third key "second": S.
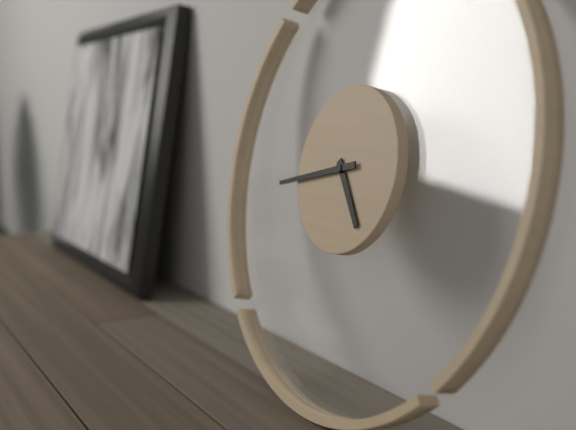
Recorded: {"hour": 4, "minute": 43}
